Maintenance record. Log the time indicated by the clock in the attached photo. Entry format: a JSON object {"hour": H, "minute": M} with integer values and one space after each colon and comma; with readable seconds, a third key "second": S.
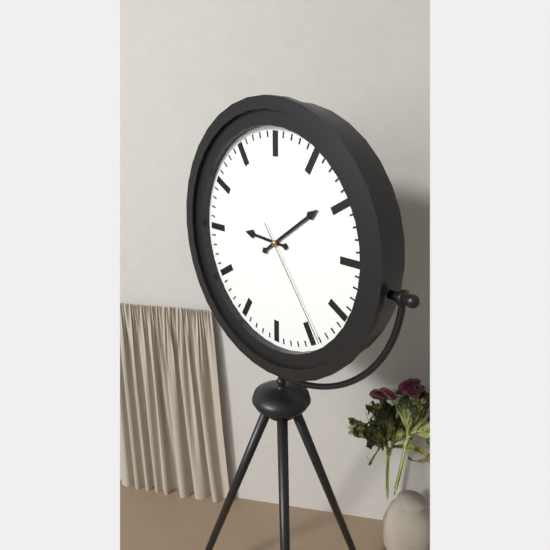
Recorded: {"hour": 9, "minute": 9, "second": 24}
